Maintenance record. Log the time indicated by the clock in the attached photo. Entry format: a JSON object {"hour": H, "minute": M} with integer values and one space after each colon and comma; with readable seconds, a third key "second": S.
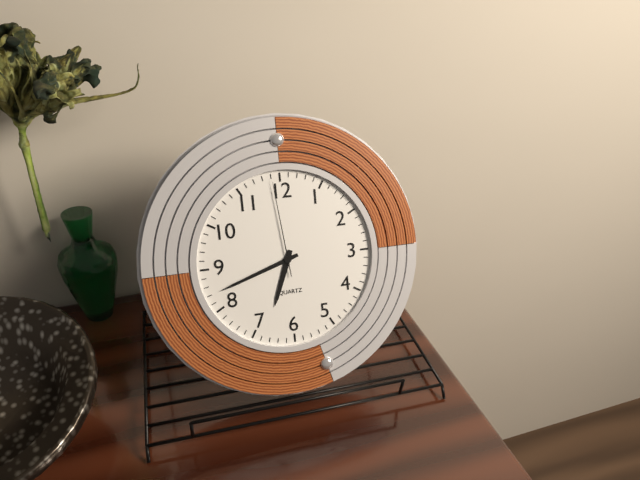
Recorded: {"hour": 6, "minute": 42, "second": 59}
